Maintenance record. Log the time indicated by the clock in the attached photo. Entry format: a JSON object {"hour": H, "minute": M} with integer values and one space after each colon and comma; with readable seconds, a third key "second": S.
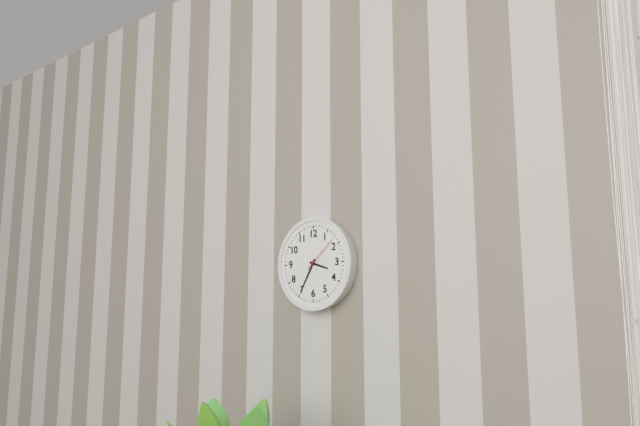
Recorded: {"hour": 3, "minute": 35}
